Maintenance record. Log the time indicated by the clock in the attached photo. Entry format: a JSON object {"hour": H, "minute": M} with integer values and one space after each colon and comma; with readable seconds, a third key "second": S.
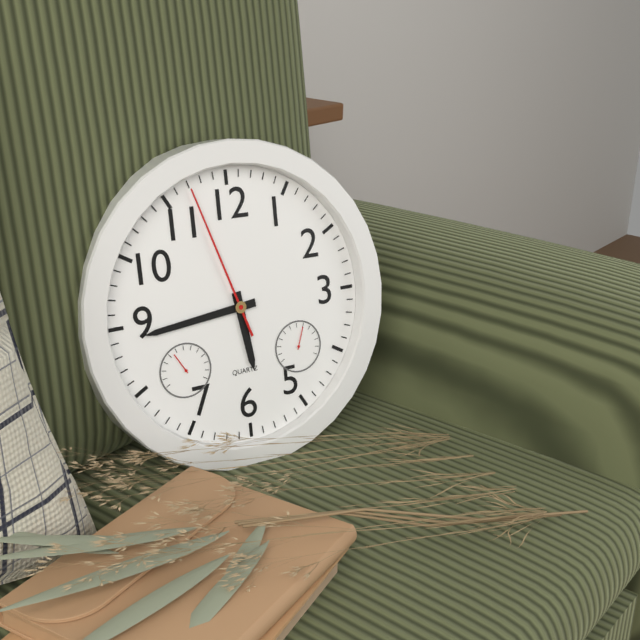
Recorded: {"hour": 5, "minute": 44, "second": 57}
